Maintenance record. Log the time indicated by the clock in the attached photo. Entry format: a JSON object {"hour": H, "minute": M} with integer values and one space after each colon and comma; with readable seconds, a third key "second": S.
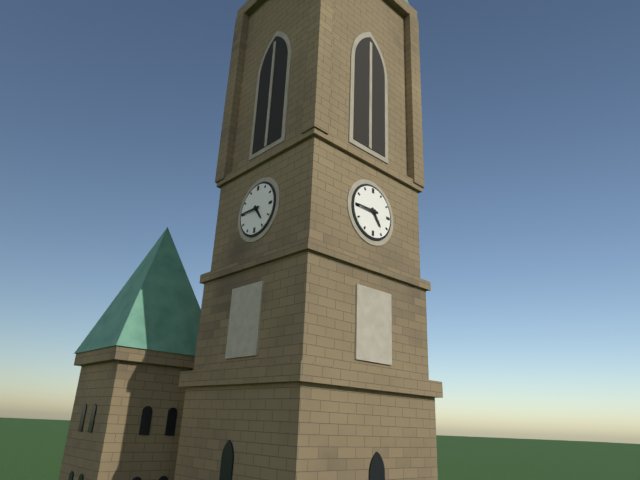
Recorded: {"hour": 4, "minute": 45}
